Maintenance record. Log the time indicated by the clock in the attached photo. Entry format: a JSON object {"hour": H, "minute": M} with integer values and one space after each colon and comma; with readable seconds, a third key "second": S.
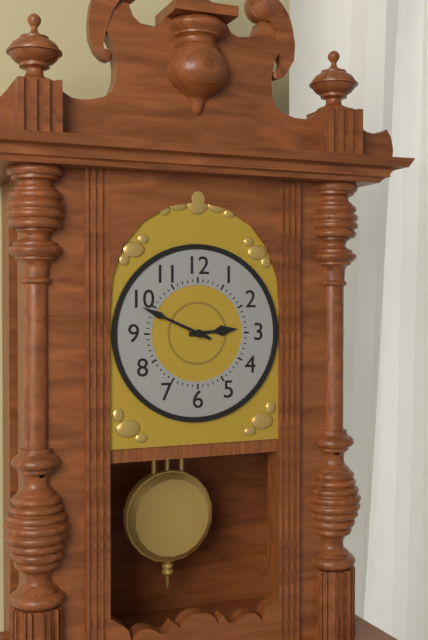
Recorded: {"hour": 2, "minute": 49}
